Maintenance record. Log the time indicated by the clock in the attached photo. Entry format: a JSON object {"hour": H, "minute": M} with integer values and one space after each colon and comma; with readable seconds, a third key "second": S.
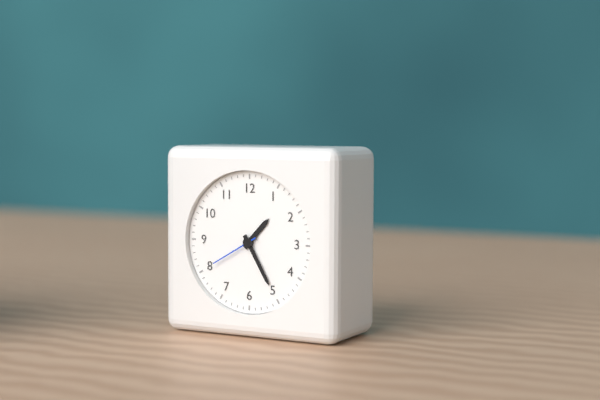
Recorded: {"hour": 1, "minute": 25, "second": 40}
